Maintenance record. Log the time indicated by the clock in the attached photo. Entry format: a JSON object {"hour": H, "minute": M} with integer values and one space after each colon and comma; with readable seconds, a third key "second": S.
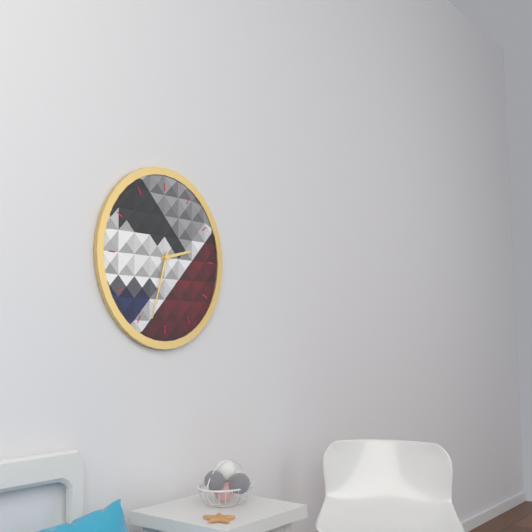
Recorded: {"hour": 2, "minute": 33}
